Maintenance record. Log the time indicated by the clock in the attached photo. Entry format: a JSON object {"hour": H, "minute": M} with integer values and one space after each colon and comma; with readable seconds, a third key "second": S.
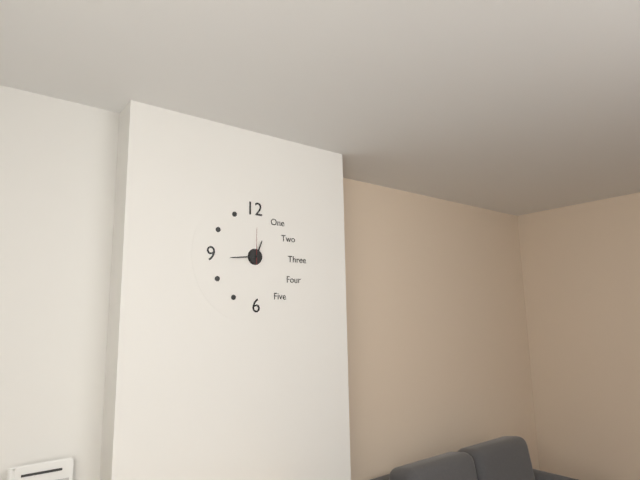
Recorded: {"hour": 12, "minute": 44}
